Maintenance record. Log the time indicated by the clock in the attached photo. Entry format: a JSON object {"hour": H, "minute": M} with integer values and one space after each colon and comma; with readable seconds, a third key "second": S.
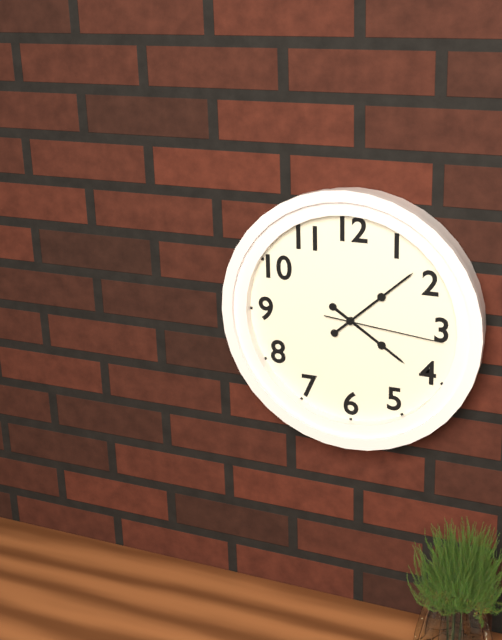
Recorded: {"hour": 4, "minute": 8, "second": 16}
